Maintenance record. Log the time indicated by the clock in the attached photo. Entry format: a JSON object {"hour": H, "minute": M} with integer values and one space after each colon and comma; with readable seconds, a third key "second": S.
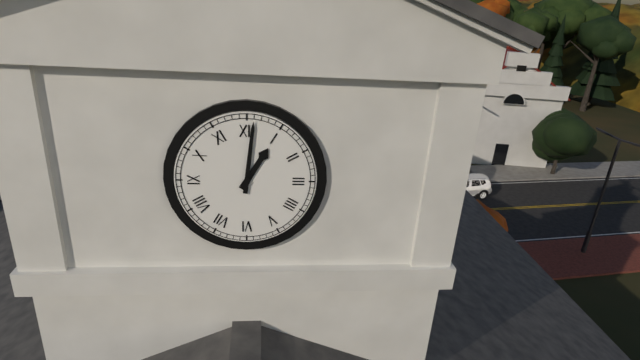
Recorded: {"hour": 1, "minute": 1}
